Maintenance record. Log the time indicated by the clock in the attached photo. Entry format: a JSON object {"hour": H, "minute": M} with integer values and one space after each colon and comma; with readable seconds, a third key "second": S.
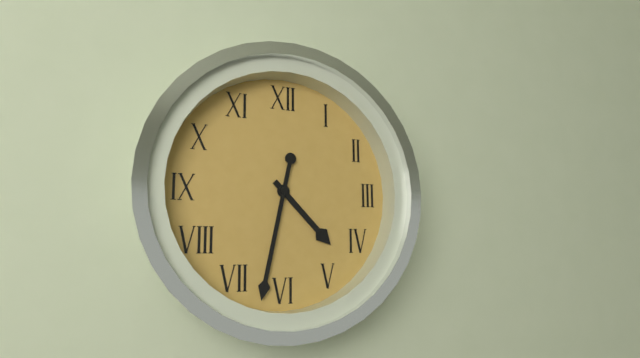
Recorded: {"hour": 4, "minute": 32}
